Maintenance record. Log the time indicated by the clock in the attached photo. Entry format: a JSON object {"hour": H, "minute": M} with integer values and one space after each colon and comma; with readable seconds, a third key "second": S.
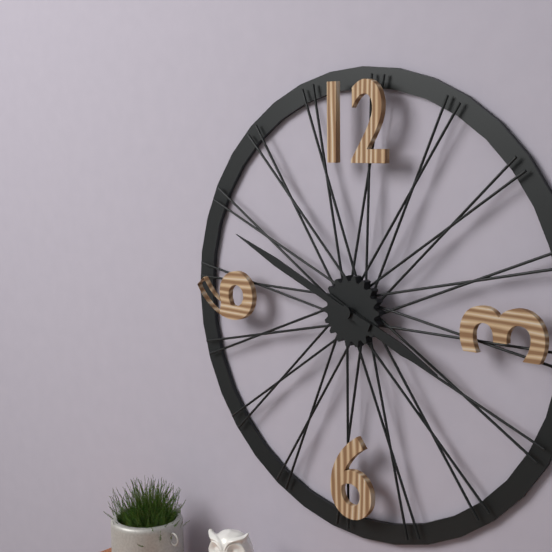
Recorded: {"hour": 3, "minute": 49}
